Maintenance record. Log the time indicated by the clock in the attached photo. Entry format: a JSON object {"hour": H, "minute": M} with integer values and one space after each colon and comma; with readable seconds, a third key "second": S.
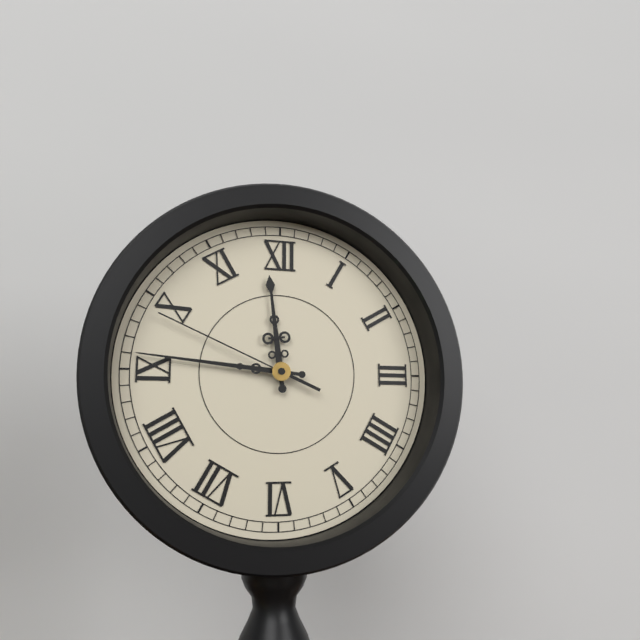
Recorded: {"hour": 11, "minute": 46, "second": 49}
